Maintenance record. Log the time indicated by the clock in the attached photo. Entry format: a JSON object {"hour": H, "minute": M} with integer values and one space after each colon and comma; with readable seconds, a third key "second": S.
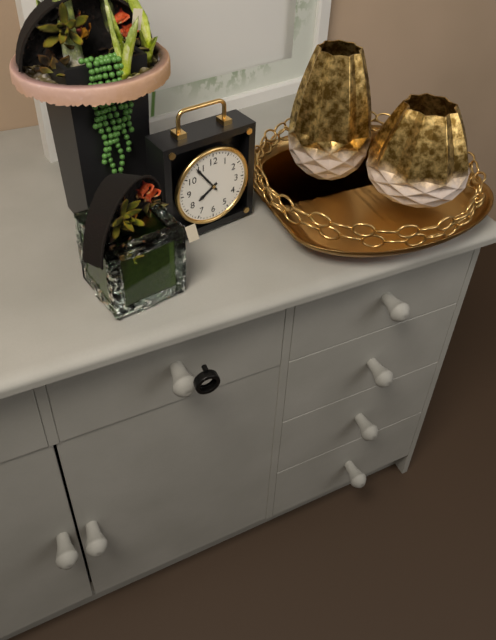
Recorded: {"hour": 7, "minute": 54}
